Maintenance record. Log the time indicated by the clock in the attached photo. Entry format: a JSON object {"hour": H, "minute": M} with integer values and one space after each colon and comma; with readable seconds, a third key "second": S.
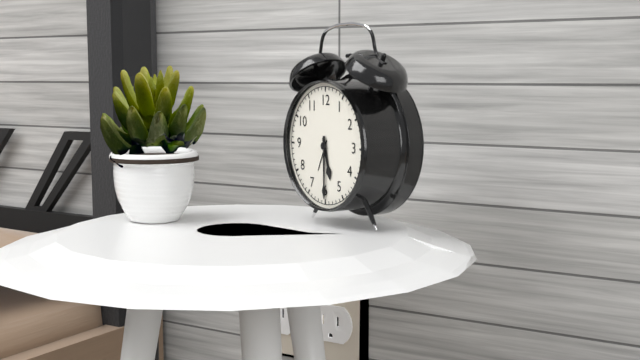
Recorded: {"hour": 5, "minute": 30}
